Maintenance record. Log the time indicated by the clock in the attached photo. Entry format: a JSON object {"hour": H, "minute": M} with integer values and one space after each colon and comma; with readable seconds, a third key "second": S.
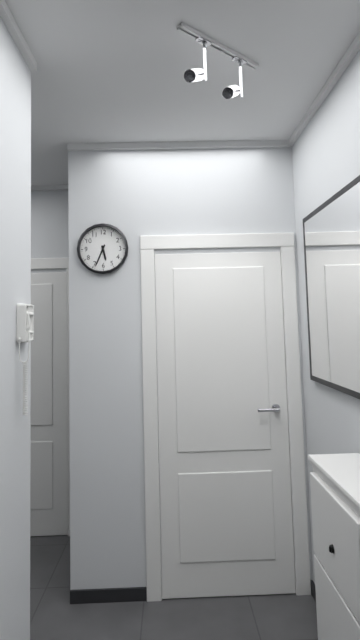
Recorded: {"hour": 5, "minute": 34}
